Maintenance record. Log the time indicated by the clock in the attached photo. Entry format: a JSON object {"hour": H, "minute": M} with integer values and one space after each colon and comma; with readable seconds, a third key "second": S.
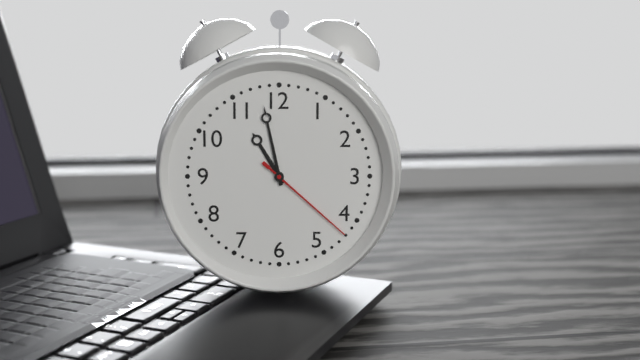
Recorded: {"hour": 10, "minute": 58, "second": 22}
